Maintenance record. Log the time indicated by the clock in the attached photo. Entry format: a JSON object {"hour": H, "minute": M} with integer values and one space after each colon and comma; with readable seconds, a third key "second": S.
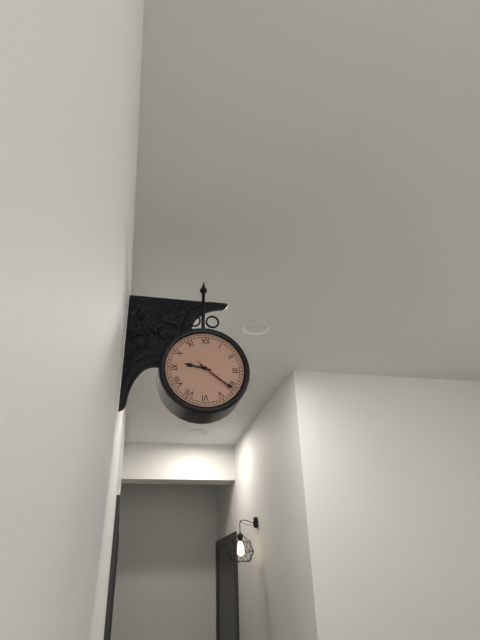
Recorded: {"hour": 9, "minute": 21}
